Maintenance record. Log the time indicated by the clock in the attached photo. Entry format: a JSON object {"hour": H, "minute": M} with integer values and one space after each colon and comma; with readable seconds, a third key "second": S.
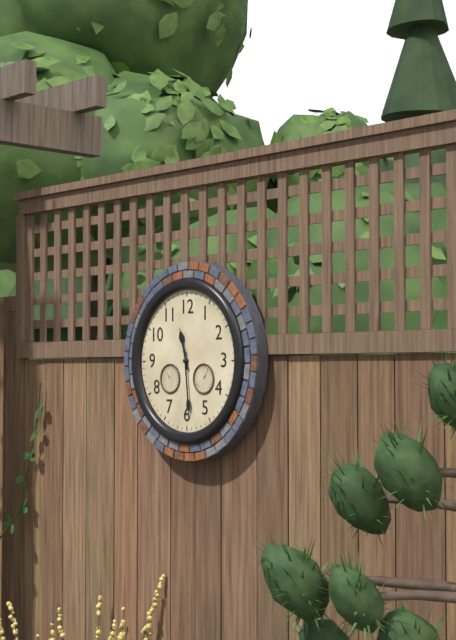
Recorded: {"hour": 11, "minute": 29}
